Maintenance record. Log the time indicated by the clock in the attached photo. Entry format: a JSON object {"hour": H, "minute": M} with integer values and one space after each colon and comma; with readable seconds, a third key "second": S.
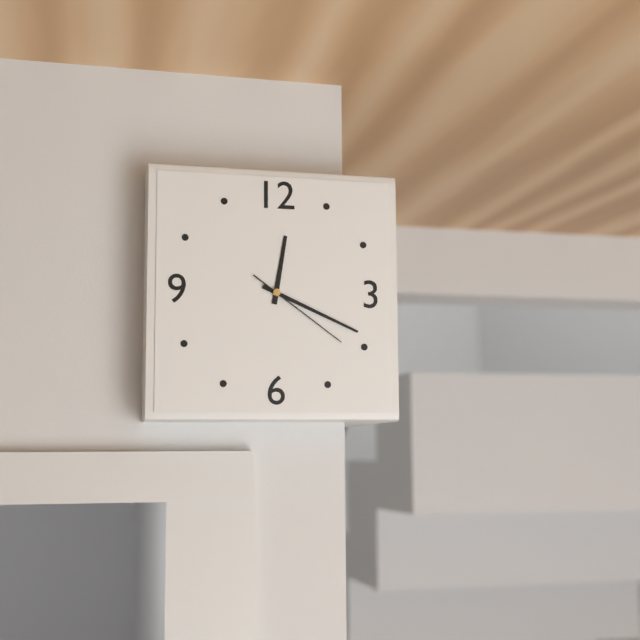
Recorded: {"hour": 12, "minute": 19, "second": 21}
